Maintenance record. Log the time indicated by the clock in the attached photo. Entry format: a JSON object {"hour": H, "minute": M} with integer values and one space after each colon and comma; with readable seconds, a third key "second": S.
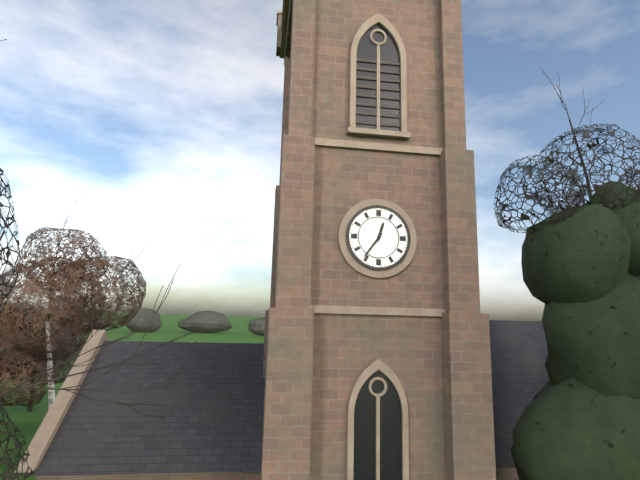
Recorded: {"hour": 12, "minute": 36}
